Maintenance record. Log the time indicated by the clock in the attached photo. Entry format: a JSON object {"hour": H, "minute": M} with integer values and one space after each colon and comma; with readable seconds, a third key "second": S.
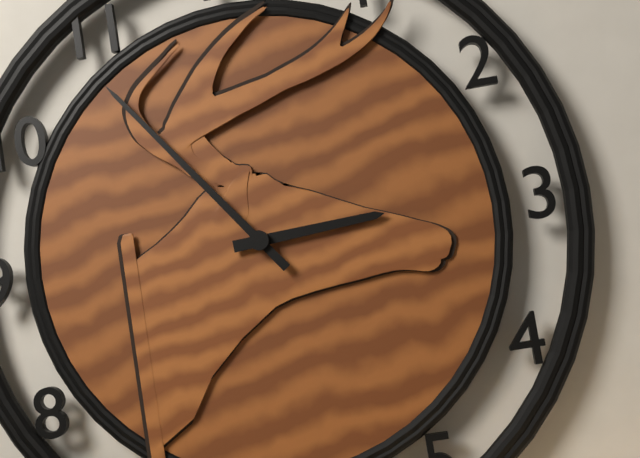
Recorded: {"hour": 2, "minute": 54}
